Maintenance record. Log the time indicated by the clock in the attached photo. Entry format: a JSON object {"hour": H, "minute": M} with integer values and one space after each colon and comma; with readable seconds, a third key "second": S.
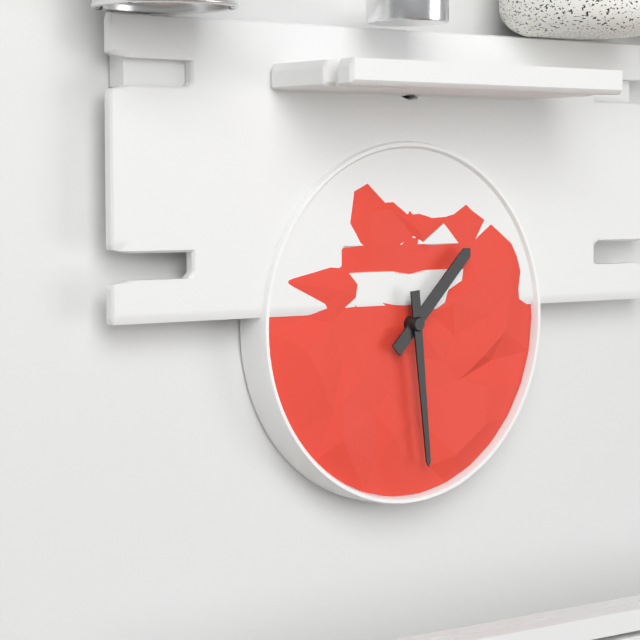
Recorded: {"hour": 1, "minute": 29}
